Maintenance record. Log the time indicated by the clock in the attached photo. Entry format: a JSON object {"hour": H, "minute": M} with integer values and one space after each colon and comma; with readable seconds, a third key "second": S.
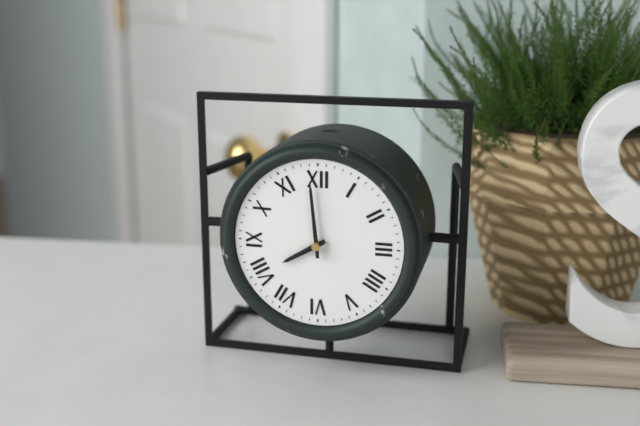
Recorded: {"hour": 7, "minute": 59}
